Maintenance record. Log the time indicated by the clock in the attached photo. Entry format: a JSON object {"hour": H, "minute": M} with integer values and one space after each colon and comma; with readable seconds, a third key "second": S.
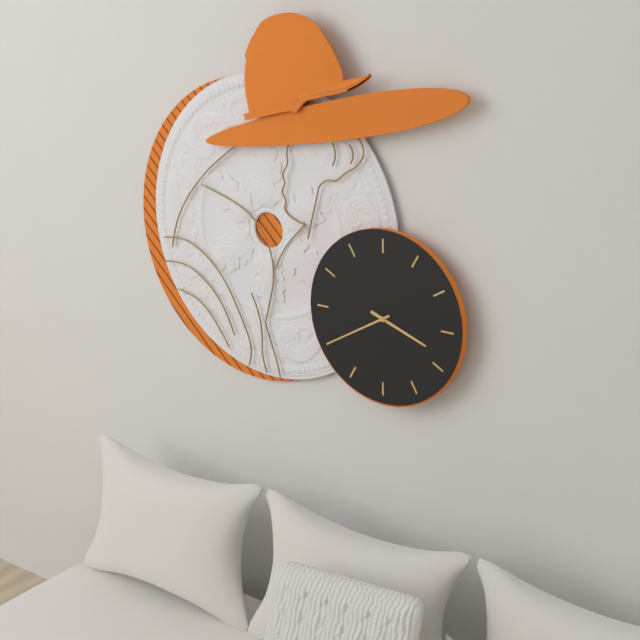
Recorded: {"hour": 3, "minute": 40}
